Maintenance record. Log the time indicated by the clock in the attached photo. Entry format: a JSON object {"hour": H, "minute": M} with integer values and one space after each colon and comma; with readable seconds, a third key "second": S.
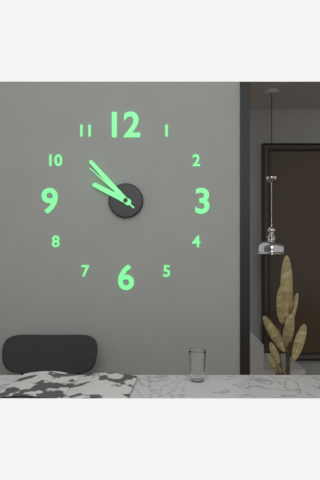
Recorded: {"hour": 9, "minute": 53, "second": 52}
